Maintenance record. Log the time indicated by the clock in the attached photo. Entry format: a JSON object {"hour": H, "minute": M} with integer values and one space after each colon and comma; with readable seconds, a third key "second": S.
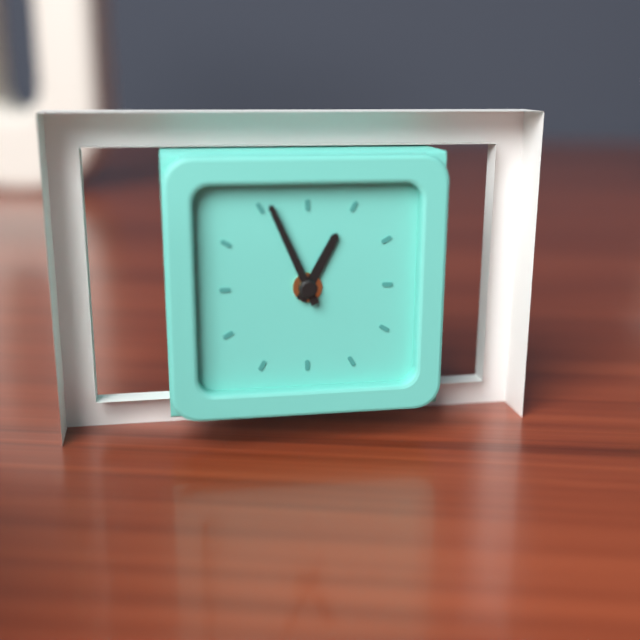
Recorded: {"hour": 12, "minute": 56}
